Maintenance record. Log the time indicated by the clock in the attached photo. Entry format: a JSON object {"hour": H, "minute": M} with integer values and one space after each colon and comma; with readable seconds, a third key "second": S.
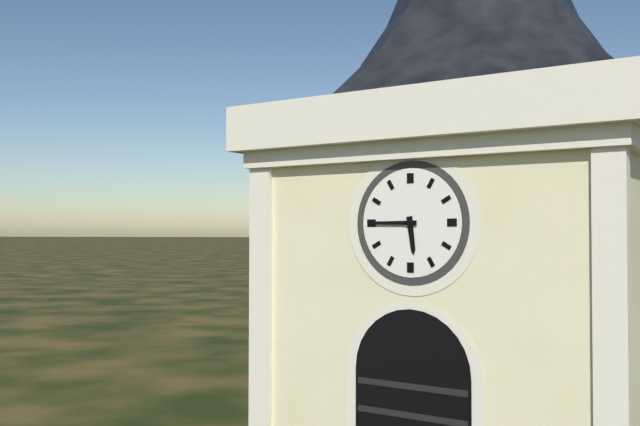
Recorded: {"hour": 5, "minute": 45}
